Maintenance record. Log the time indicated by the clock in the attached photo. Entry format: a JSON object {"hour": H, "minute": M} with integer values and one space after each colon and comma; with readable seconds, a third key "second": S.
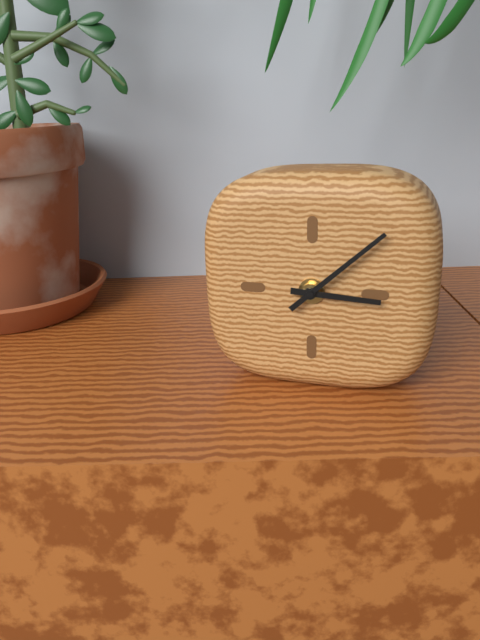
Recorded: {"hour": 3, "minute": 8}
